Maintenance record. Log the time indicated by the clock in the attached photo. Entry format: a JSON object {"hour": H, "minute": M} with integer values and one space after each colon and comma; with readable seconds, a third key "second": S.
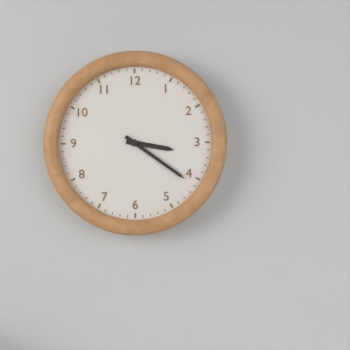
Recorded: {"hour": 3, "minute": 21}
